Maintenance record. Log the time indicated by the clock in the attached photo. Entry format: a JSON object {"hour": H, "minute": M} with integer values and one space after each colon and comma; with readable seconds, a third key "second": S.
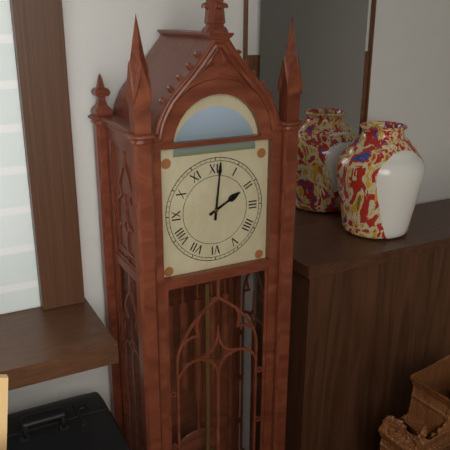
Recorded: {"hour": 2, "minute": 1}
